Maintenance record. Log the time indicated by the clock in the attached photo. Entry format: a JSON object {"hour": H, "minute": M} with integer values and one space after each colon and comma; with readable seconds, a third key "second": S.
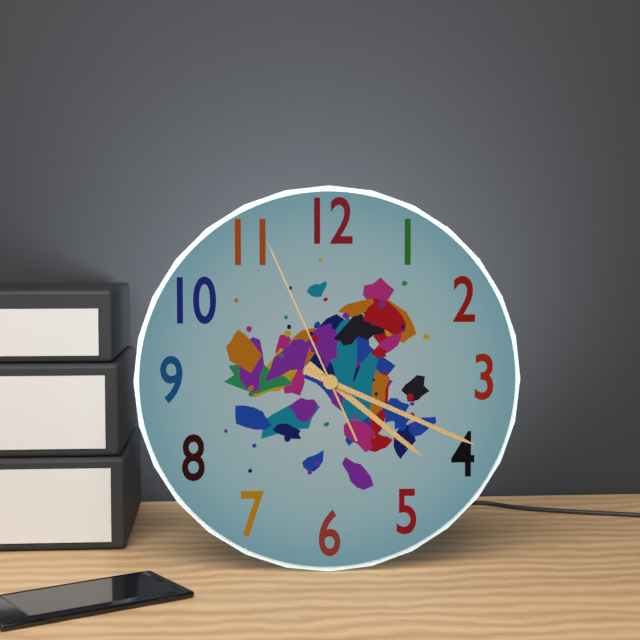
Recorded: {"hour": 4, "minute": 19, "second": 56}
